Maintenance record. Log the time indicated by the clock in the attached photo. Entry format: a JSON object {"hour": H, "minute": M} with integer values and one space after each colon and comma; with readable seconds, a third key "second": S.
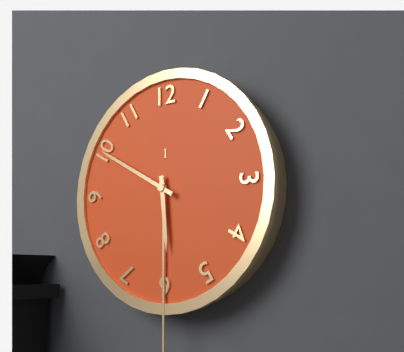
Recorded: {"hour": 5, "minute": 50}
